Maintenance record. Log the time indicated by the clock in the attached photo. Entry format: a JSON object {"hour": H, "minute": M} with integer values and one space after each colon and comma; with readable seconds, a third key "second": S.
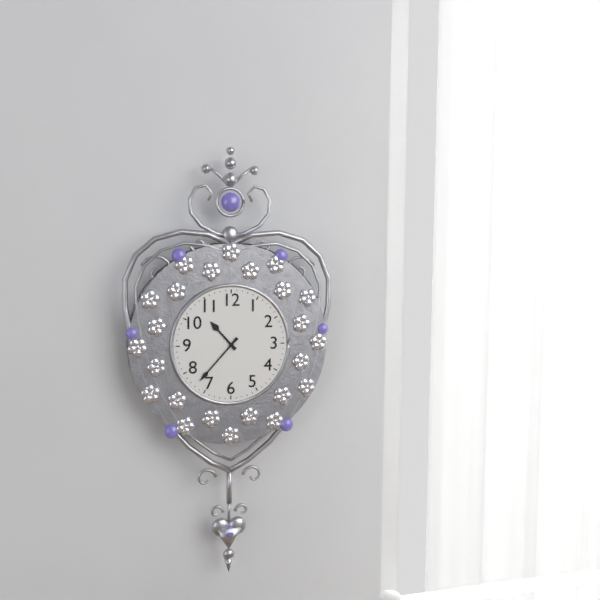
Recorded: {"hour": 10, "minute": 37}
